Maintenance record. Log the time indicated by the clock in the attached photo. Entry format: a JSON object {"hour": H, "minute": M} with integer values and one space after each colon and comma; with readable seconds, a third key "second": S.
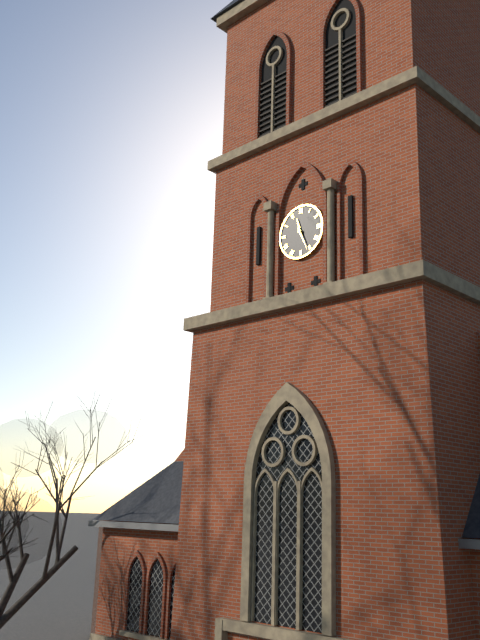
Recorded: {"hour": 11, "minute": 26}
